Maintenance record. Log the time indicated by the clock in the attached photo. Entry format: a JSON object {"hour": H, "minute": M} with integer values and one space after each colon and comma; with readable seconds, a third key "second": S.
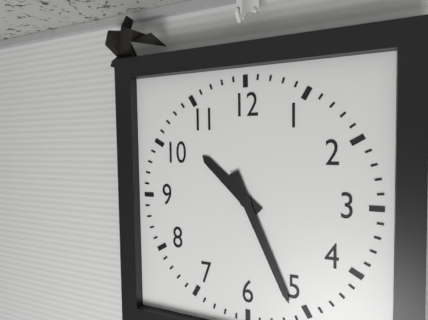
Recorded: {"hour": 10, "minute": 26}
